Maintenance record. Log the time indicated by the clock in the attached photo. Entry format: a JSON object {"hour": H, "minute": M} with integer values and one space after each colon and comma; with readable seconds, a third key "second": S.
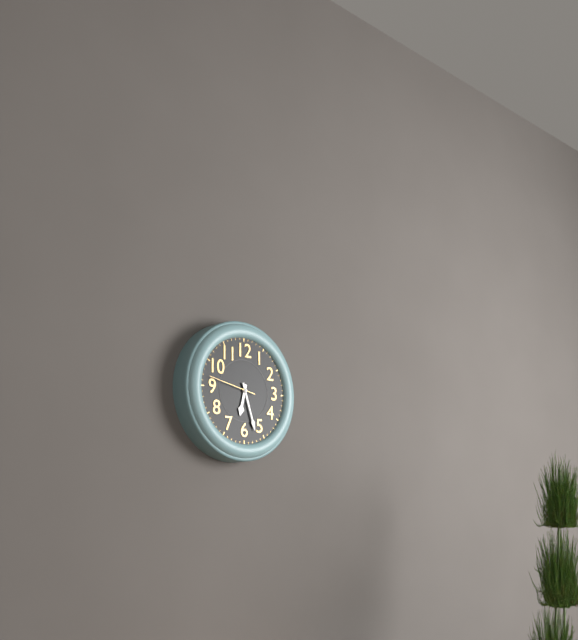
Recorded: {"hour": 6, "minute": 27}
